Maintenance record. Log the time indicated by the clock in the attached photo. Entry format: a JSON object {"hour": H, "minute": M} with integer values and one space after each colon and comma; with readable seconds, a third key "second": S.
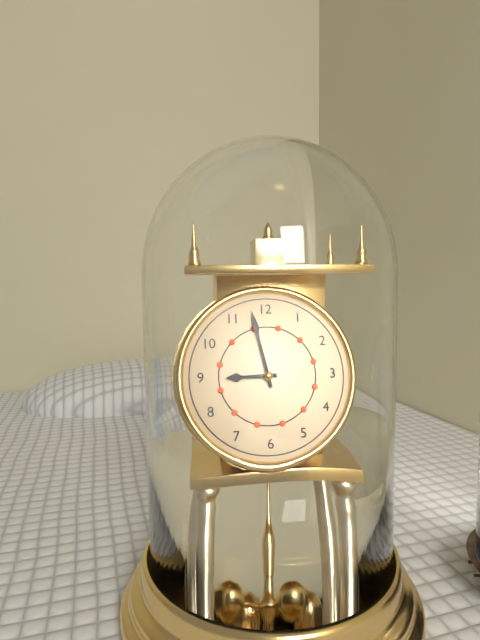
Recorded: {"hour": 8, "minute": 58}
